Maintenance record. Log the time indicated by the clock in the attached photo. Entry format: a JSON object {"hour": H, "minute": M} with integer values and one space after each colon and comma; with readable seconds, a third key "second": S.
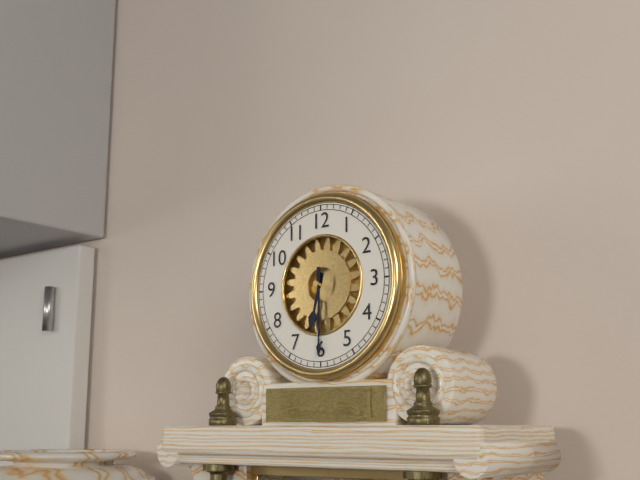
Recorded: {"hour": 6, "minute": 30}
